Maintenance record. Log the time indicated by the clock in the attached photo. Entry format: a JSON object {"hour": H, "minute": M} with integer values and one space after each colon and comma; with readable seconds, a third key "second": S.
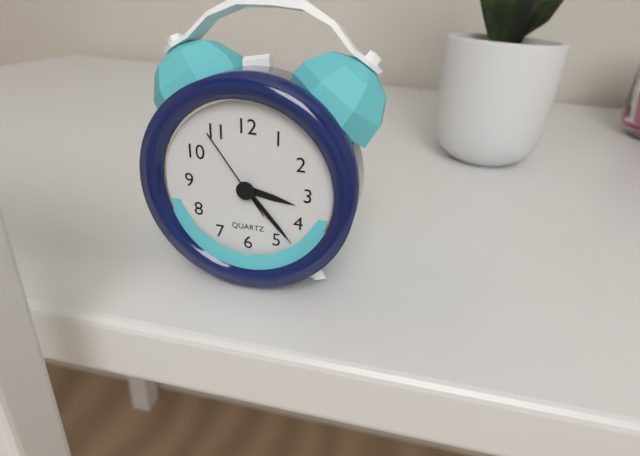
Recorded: {"hour": 3, "minute": 23, "second": 54}
